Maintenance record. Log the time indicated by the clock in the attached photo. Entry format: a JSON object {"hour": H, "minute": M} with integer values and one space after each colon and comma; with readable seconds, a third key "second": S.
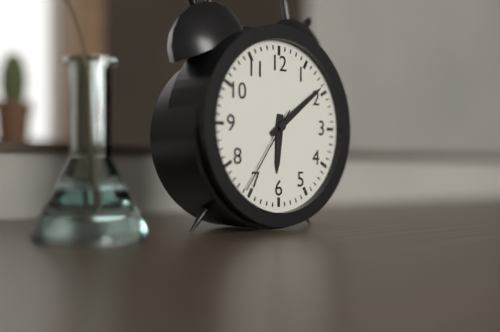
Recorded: {"hour": 6, "minute": 9, "second": 36}
